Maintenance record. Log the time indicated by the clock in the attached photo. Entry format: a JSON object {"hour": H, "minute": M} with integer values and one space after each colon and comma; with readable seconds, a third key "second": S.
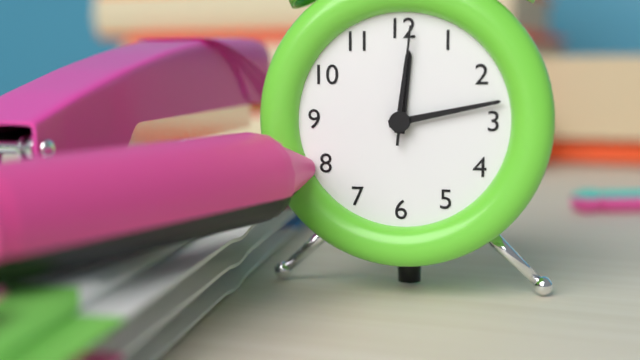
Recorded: {"hour": 12, "minute": 13, "second": 1}
